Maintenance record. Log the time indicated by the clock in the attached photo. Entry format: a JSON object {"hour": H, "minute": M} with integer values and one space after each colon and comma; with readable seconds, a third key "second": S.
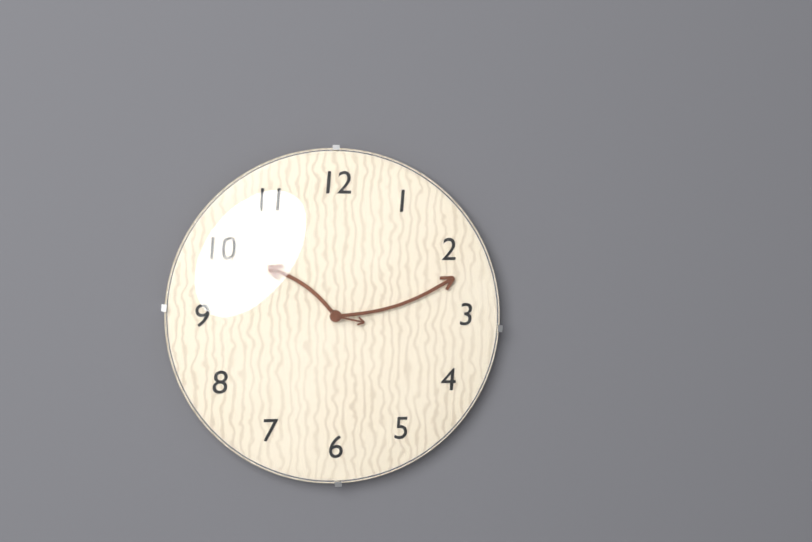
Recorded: {"hour": 10, "minute": 12}
